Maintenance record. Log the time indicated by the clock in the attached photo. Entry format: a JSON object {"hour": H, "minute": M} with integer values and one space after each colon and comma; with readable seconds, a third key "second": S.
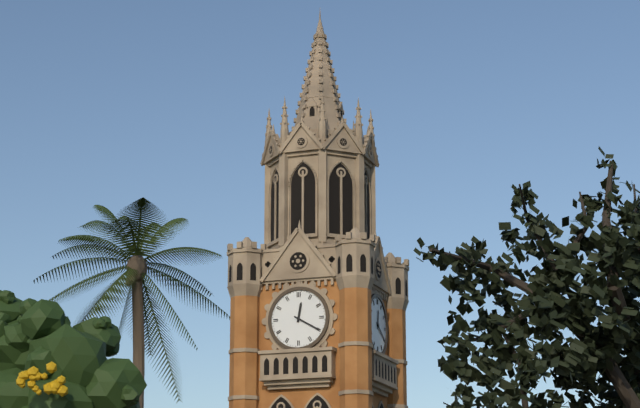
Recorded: {"hour": 12, "minute": 20}
